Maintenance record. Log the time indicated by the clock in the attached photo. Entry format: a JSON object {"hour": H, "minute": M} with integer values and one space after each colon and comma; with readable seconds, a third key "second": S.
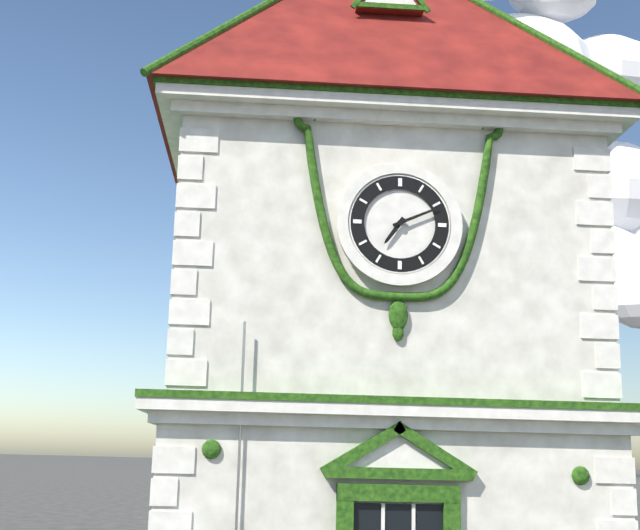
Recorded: {"hour": 7, "minute": 11}
